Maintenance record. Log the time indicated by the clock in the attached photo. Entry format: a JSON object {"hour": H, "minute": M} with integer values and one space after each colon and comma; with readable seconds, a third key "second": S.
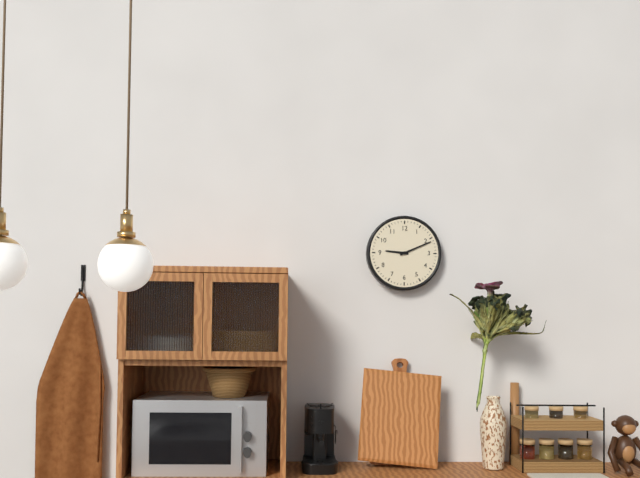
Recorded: {"hour": 9, "minute": 11}
